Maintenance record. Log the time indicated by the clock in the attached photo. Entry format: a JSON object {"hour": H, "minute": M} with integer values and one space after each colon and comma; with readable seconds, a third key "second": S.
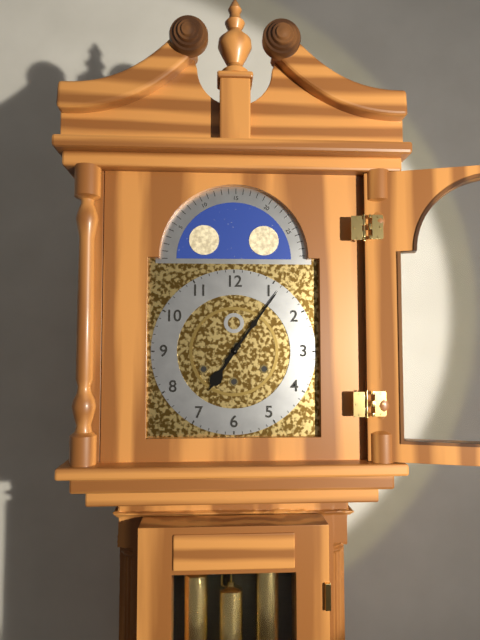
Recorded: {"hour": 7, "minute": 6}
